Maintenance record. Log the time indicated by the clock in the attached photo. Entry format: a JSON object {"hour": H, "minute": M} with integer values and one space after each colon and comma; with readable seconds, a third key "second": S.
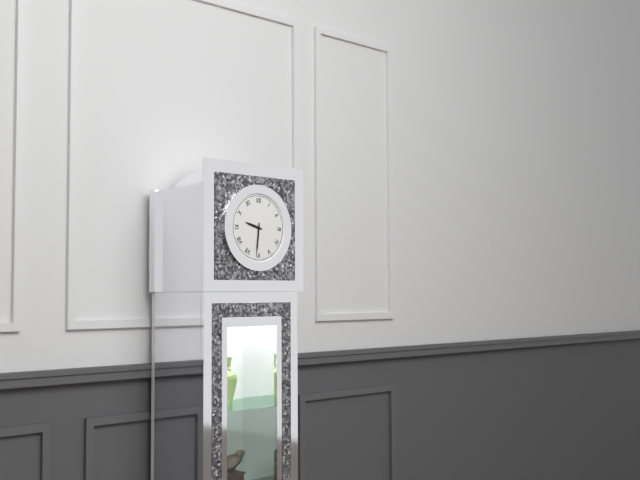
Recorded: {"hour": 9, "minute": 31}
